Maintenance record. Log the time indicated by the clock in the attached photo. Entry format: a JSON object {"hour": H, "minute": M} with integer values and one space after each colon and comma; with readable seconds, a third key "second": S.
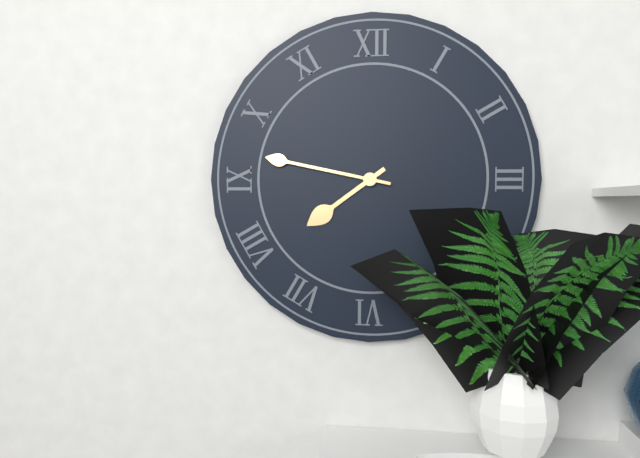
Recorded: {"hour": 7, "minute": 47}
